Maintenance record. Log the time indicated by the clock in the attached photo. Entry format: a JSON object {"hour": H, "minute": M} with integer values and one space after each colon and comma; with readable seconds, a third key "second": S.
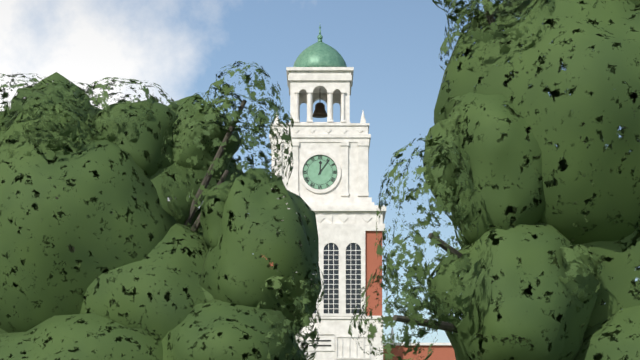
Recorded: {"hour": 12, "minute": 6}
